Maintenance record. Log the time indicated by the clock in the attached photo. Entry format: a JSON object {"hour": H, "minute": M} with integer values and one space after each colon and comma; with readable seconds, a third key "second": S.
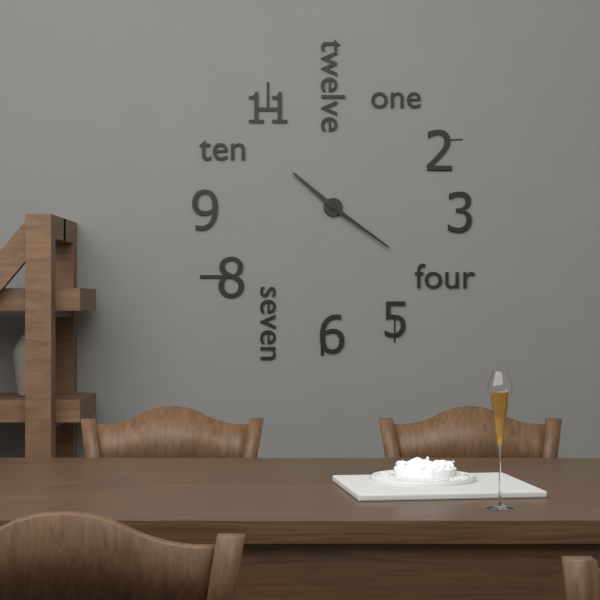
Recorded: {"hour": 10, "minute": 21}
